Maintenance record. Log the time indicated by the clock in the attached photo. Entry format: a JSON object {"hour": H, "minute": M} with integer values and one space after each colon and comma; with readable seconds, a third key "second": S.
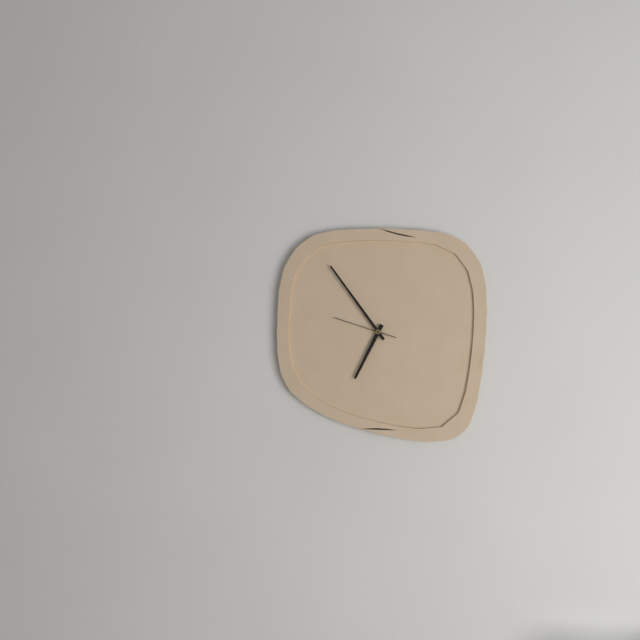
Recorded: {"hour": 6, "minute": 54, "second": 48}
